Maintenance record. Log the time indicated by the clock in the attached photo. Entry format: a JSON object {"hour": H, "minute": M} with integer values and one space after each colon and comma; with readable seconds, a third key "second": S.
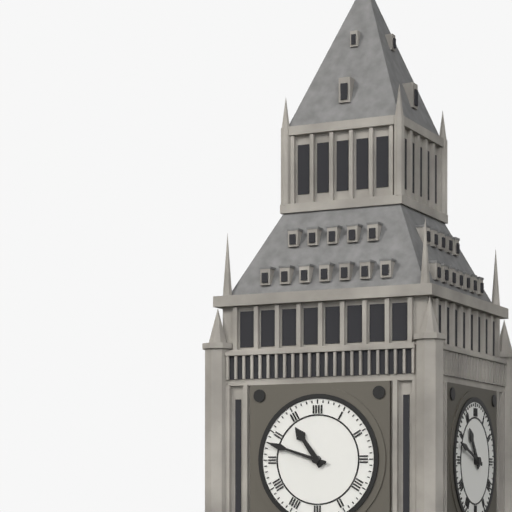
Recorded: {"hour": 10, "minute": 48}
